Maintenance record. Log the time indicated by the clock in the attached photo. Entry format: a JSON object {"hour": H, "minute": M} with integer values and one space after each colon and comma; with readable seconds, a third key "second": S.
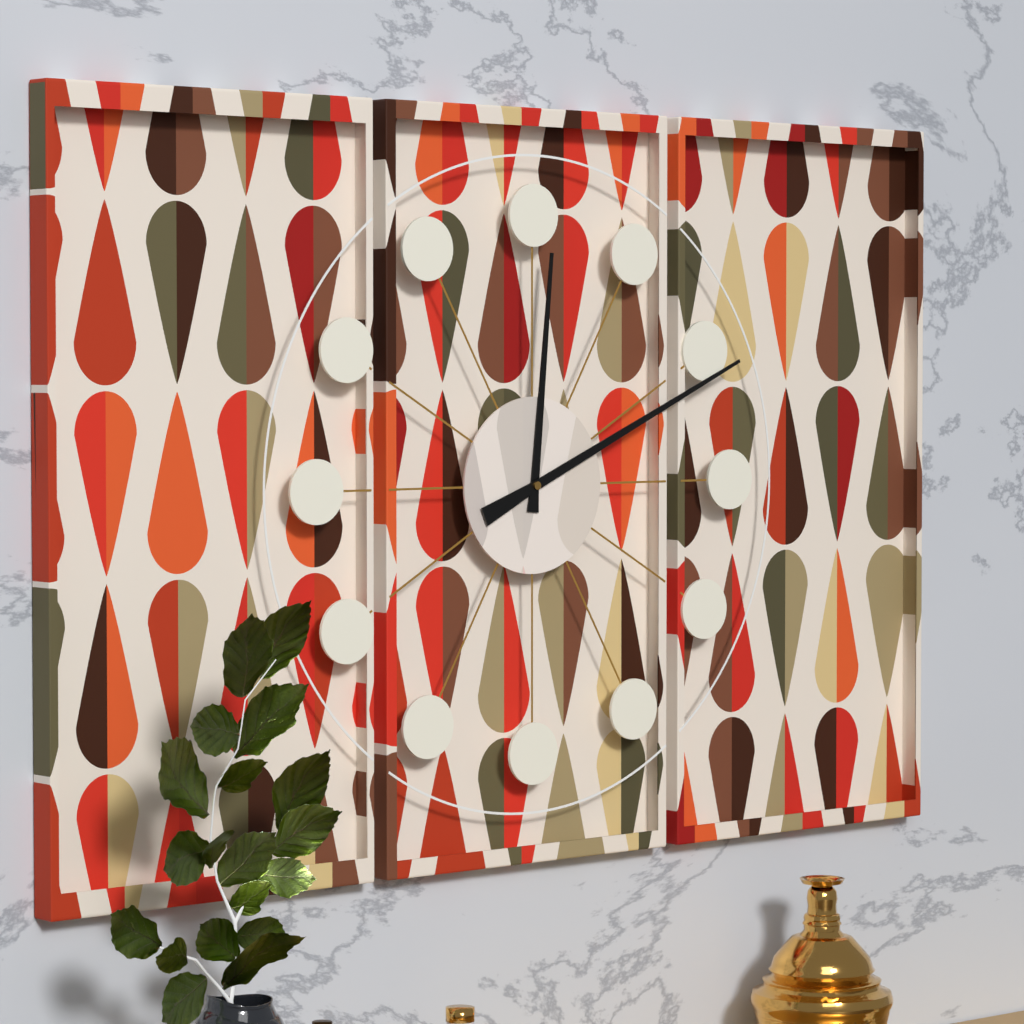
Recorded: {"hour": 12, "minute": 11}
